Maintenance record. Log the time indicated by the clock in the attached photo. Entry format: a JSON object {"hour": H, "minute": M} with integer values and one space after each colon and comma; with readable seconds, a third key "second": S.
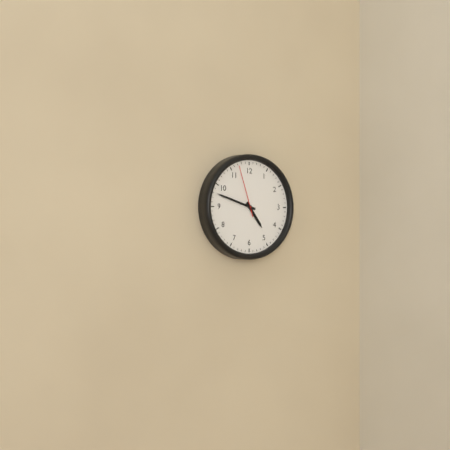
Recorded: {"hour": 4, "minute": 48, "second": 57}
